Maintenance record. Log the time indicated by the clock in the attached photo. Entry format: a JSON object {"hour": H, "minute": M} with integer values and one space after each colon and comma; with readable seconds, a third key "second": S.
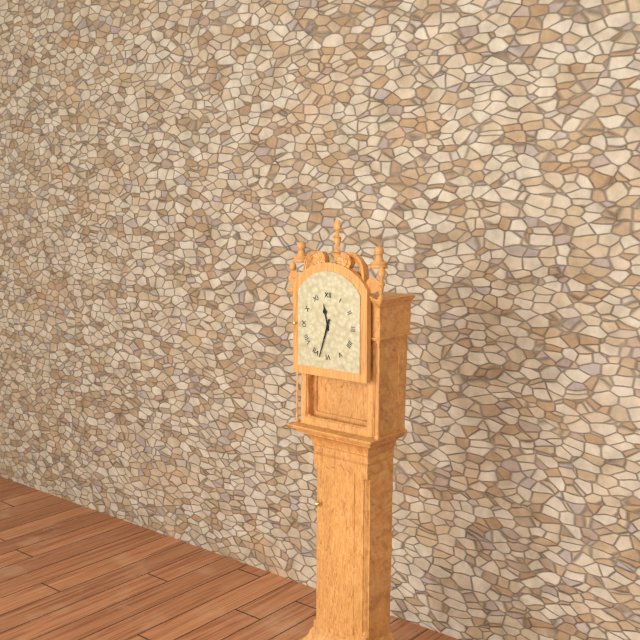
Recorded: {"hour": 11, "minute": 33}
